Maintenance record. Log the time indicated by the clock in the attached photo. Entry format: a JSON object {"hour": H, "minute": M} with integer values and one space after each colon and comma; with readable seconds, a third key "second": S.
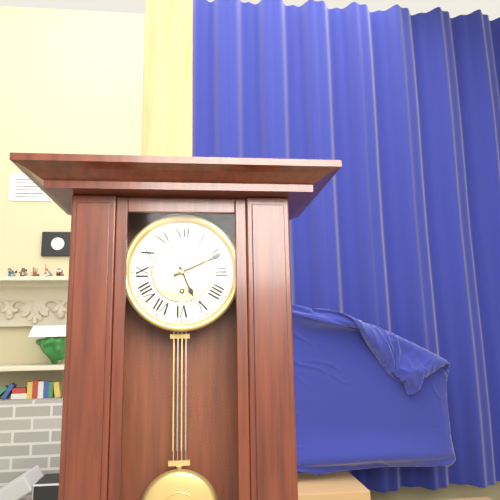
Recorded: {"hour": 5, "minute": 11}
